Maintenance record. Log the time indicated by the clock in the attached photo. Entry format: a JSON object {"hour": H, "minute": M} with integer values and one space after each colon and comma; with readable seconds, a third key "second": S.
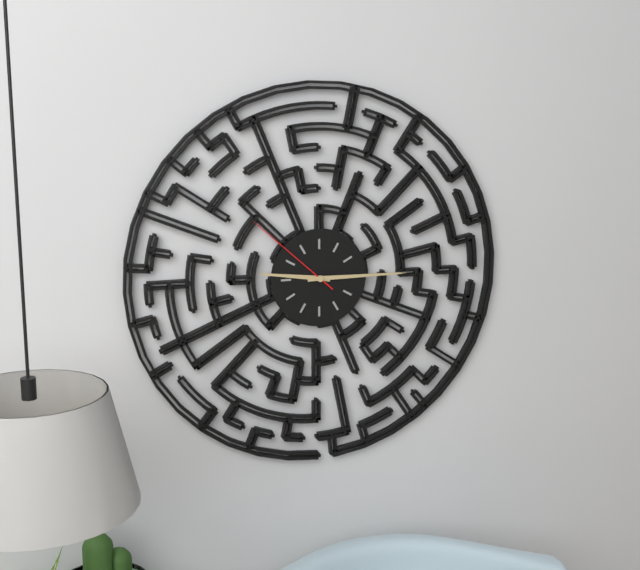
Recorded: {"hour": 9, "minute": 15, "second": 52}
